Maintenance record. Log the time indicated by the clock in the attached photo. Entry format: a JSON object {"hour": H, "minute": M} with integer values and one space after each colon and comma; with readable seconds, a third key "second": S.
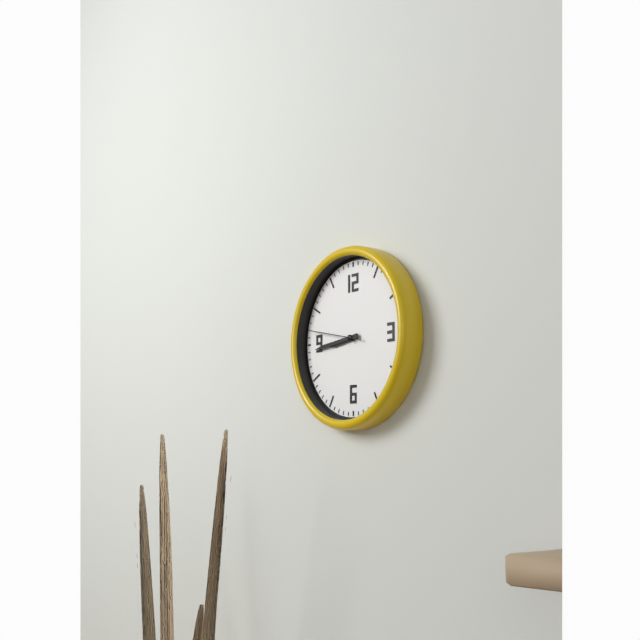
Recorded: {"hour": 8, "minute": 44, "second": 47}
